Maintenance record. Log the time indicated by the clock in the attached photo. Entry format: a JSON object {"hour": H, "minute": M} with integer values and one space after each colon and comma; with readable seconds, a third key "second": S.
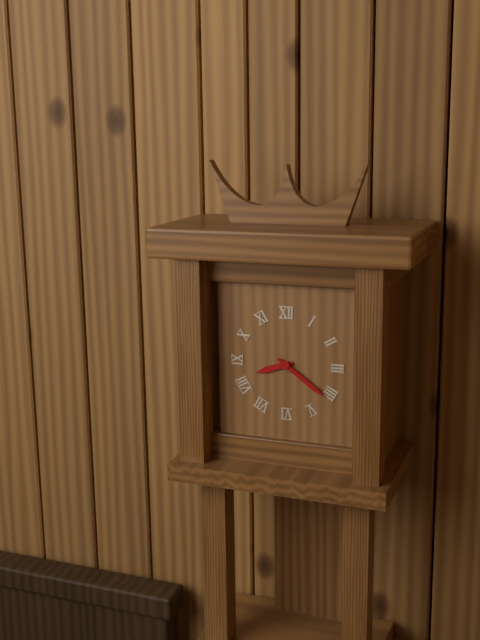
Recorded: {"hour": 8, "minute": 21}
